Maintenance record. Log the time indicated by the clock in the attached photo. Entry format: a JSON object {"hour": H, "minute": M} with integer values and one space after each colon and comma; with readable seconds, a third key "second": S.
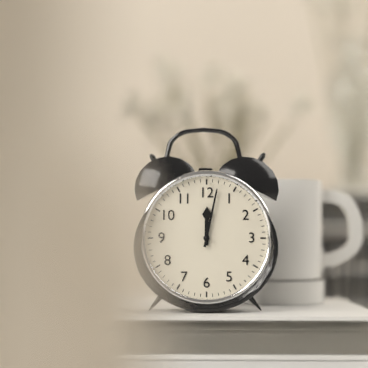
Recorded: {"hour": 12, "minute": 2}
